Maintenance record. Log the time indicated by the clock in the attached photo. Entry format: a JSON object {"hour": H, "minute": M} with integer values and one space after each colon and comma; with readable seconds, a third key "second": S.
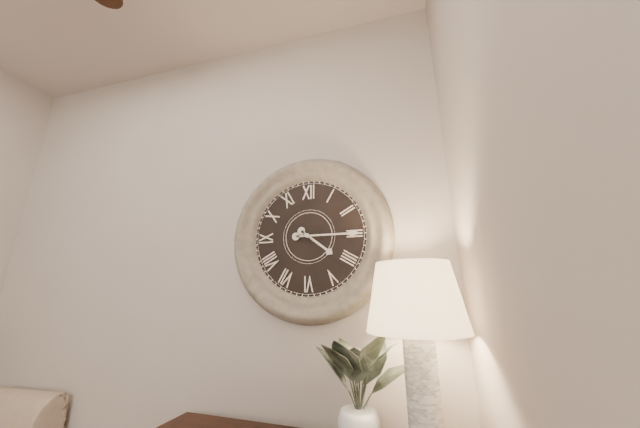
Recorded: {"hour": 4, "minute": 15}
